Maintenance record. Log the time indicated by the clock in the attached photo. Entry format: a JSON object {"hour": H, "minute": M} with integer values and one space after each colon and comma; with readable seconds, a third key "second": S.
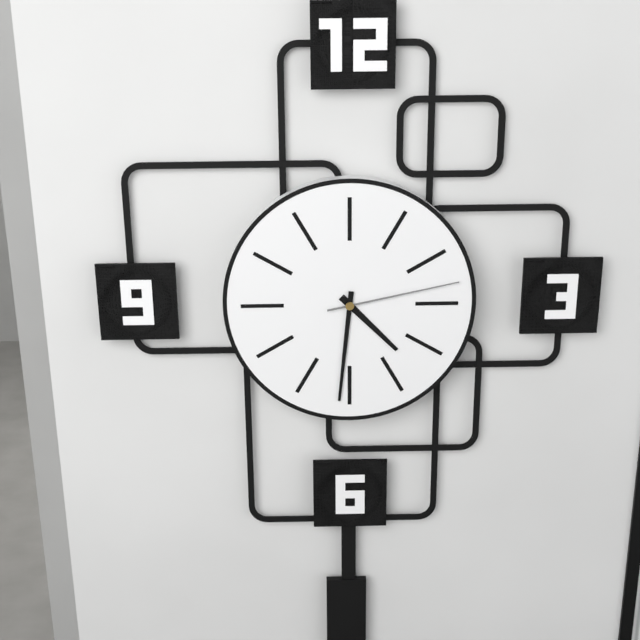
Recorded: {"hour": 4, "minute": 31, "second": 13}
